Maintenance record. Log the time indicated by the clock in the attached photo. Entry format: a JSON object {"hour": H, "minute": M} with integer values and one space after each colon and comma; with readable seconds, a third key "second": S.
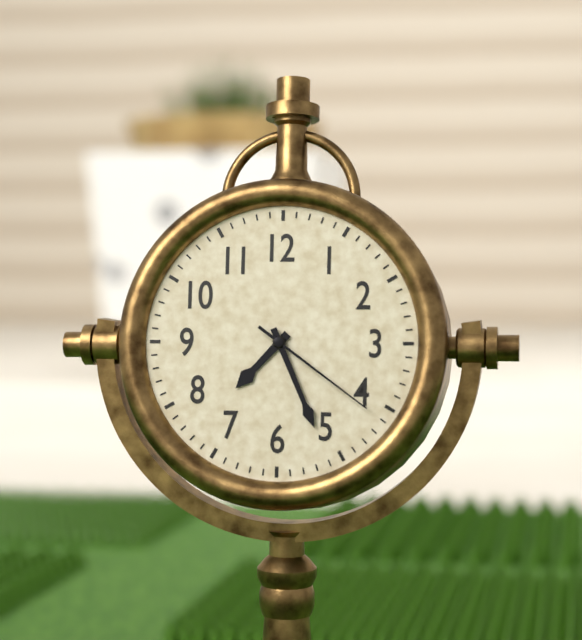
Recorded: {"hour": 7, "minute": 26, "second": 21}
